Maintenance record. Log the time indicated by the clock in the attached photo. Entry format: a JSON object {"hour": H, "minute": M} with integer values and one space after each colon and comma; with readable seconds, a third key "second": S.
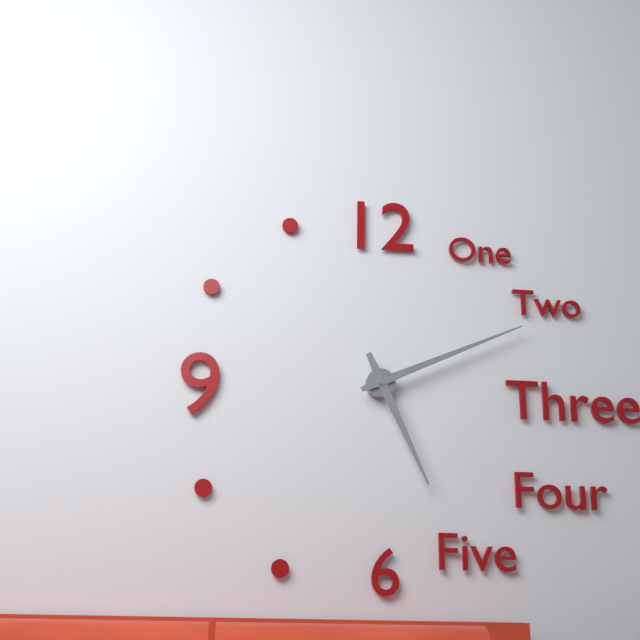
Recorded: {"hour": 5, "minute": 11}
